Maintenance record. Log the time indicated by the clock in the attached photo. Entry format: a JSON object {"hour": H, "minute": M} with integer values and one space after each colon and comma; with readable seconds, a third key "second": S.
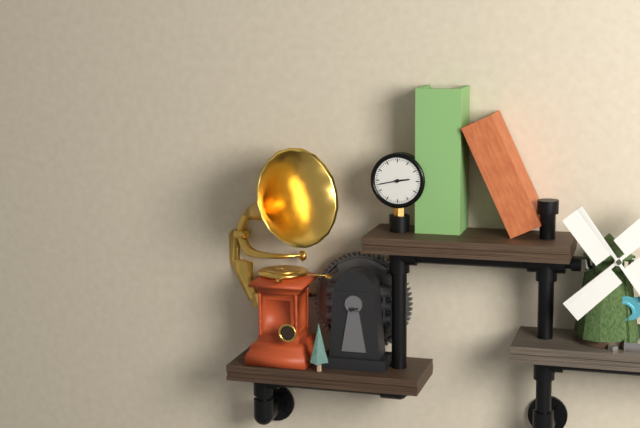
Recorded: {"hour": 2, "minute": 43}
